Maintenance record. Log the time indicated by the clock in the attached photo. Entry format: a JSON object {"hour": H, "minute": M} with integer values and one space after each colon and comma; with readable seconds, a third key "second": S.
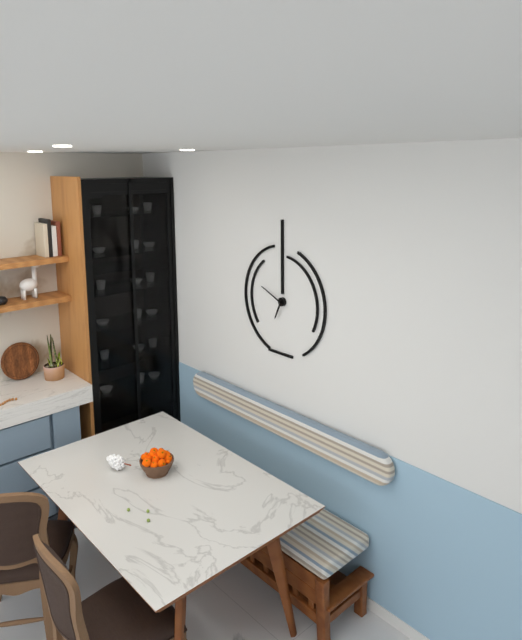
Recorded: {"hour": 6, "minute": 49}
